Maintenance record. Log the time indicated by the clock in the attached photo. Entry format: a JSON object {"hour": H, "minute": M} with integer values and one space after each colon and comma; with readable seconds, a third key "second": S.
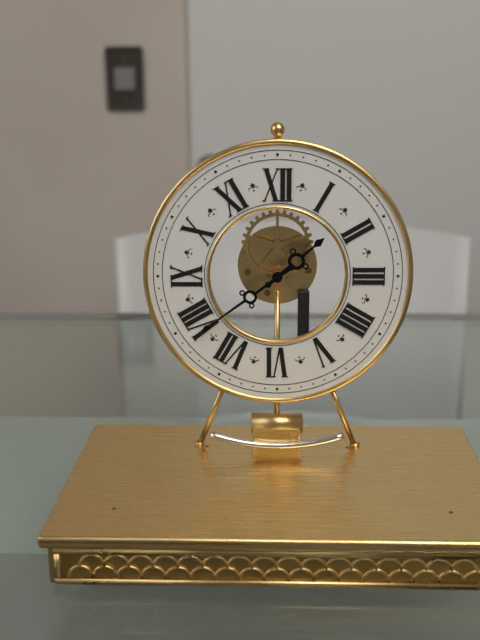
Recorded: {"hour": 1, "minute": 39}
